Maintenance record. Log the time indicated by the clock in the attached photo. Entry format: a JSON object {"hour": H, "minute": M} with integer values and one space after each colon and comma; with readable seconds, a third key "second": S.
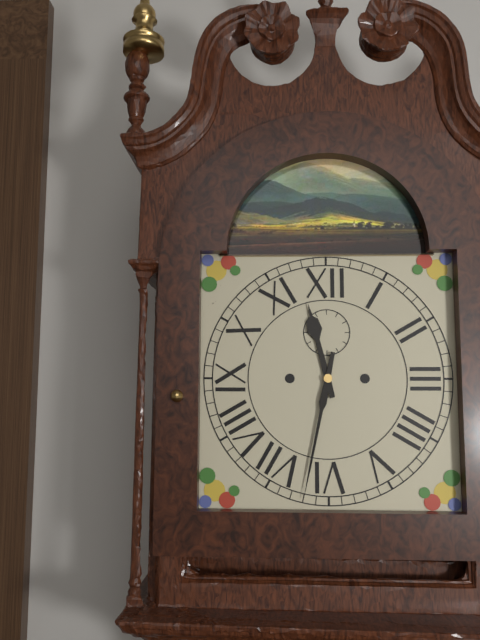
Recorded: {"hour": 11, "minute": 32}
